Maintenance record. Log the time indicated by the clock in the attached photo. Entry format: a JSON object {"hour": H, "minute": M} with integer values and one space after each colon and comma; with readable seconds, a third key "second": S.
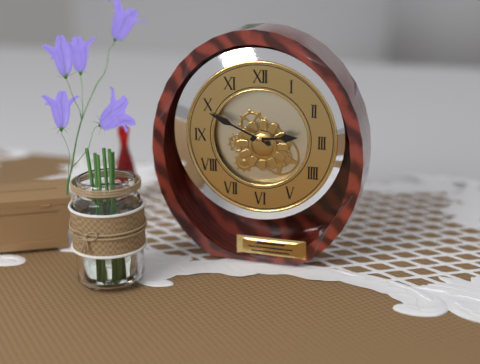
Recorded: {"hour": 2, "minute": 49}
